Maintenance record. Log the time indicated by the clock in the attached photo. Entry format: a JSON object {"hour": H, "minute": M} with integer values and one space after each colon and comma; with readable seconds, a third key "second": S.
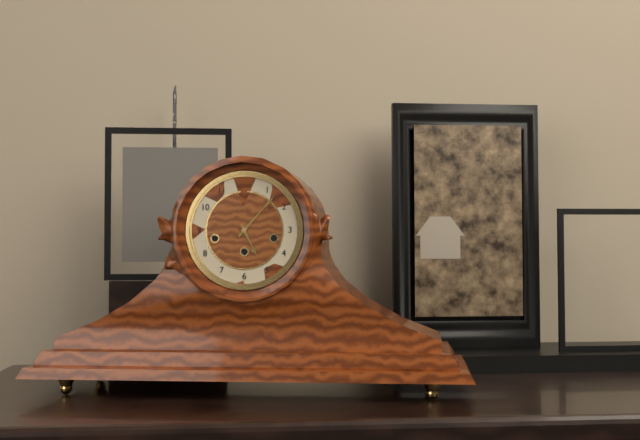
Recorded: {"hour": 5, "minute": 7}
